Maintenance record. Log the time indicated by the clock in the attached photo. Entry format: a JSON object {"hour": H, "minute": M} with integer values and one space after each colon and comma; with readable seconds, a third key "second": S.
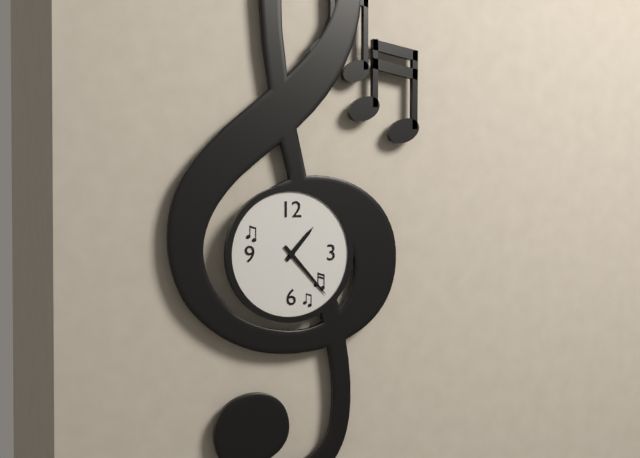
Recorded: {"hour": 1, "minute": 23}
